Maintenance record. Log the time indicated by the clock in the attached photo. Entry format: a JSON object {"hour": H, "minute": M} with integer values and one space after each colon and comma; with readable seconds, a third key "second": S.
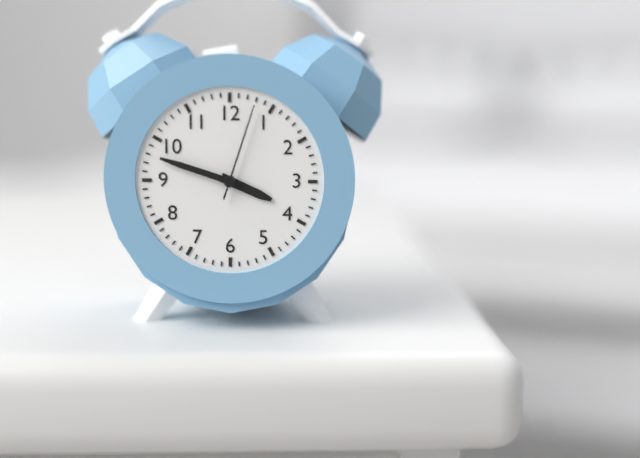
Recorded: {"hour": 3, "minute": 48, "second": 3}
